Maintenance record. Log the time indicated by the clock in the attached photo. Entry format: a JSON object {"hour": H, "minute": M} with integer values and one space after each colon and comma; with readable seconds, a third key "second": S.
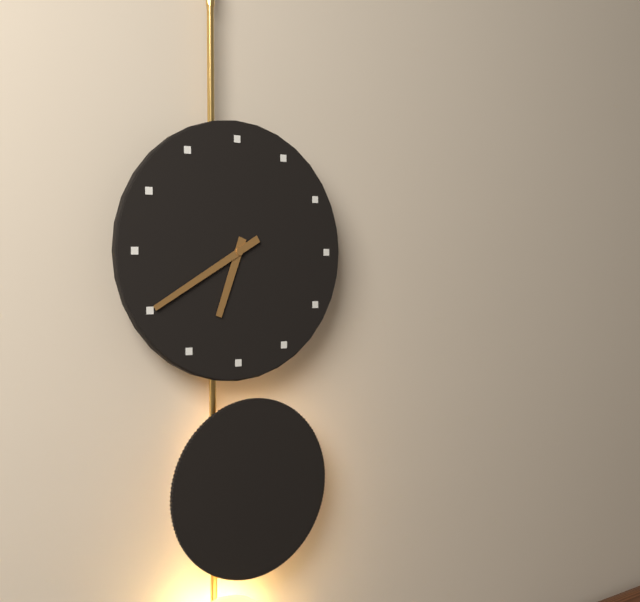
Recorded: {"hour": 6, "minute": 40}
